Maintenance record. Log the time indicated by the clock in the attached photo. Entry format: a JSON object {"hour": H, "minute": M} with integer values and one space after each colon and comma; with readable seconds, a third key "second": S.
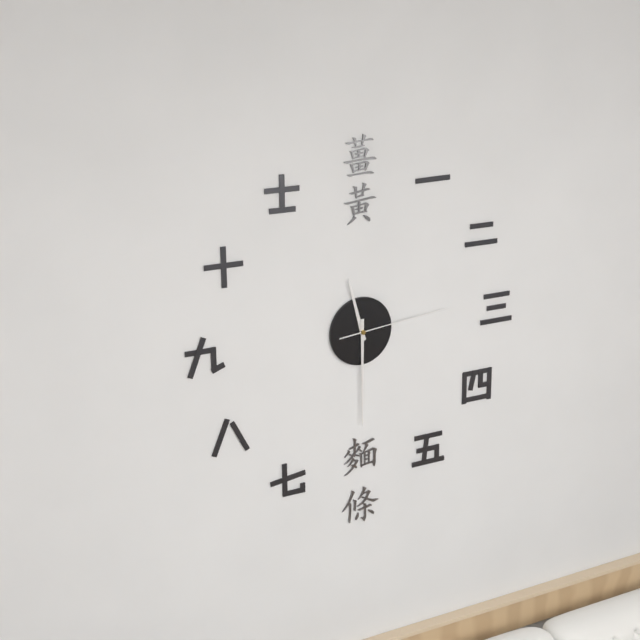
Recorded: {"hour": 11, "minute": 30, "second": 14}
